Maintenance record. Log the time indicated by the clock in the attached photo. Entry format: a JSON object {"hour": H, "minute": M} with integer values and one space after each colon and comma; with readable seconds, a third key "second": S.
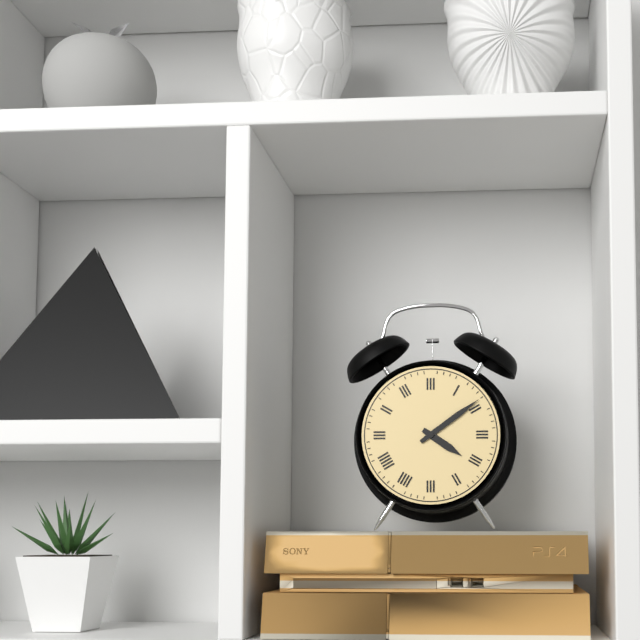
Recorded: {"hour": 4, "minute": 9}
